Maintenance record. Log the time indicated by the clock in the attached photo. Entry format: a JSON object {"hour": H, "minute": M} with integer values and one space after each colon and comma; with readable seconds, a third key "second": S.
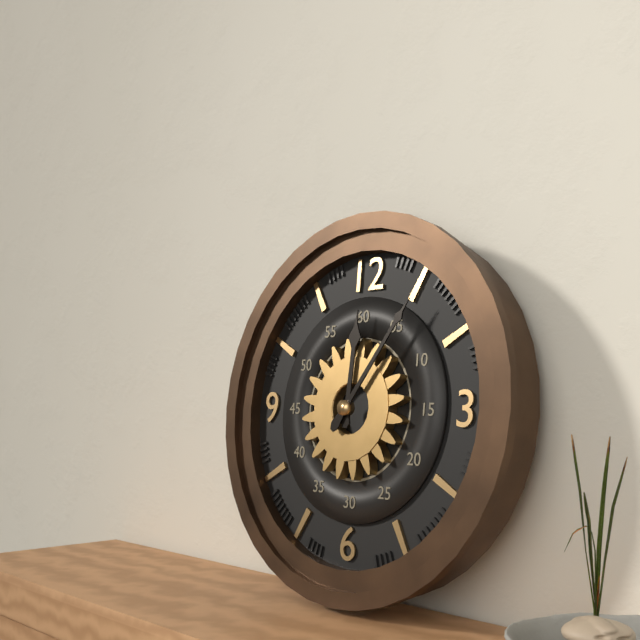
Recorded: {"hour": 12, "minute": 6}
